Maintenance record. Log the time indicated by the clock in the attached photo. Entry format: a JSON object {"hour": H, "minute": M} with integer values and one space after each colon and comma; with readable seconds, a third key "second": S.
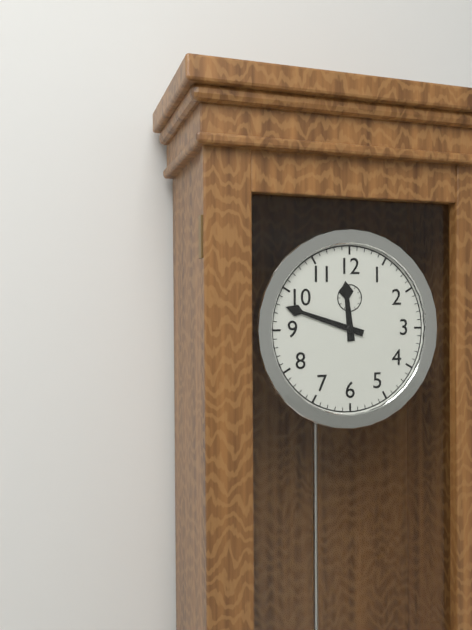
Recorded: {"hour": 11, "minute": 48}
